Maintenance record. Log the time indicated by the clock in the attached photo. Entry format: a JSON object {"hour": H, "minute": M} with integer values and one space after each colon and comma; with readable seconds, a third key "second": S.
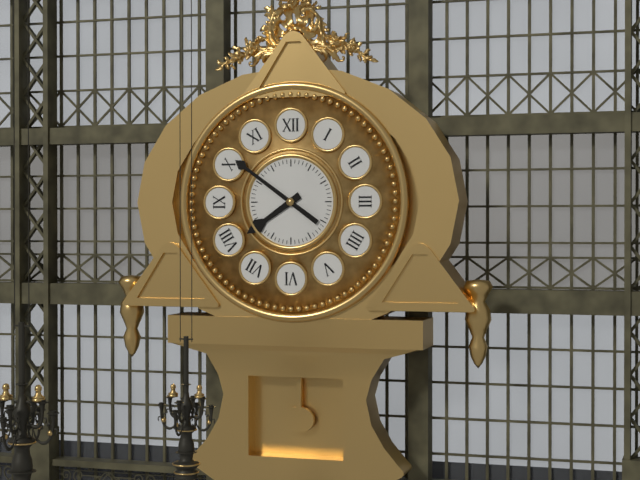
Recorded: {"hour": 7, "minute": 51}
